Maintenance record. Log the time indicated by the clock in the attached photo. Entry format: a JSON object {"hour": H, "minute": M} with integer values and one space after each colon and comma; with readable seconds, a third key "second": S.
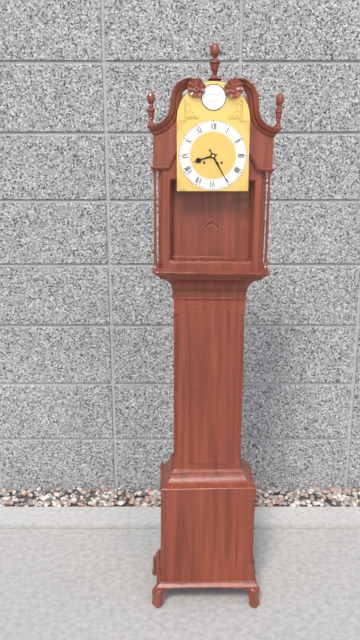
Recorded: {"hour": 8, "minute": 25}
